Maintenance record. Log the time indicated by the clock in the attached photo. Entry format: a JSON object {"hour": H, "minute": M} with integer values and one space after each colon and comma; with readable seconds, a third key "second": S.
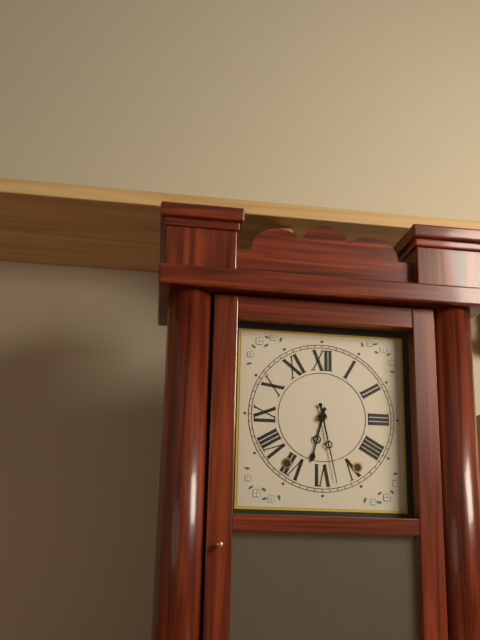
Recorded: {"hour": 6, "minute": 28}
